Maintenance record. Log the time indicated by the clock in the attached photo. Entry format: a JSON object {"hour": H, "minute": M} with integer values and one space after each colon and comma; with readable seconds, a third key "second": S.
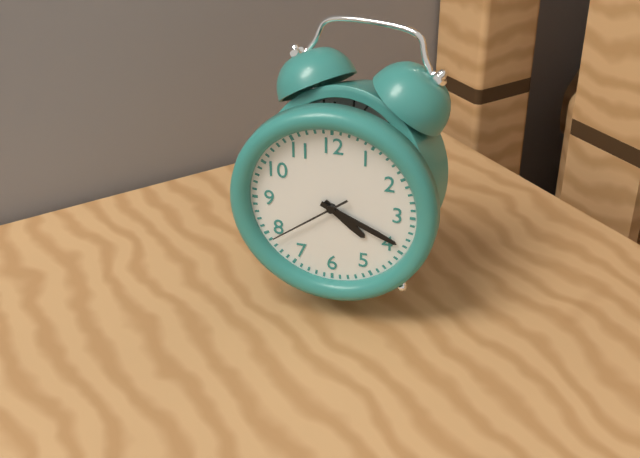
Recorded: {"hour": 4, "minute": 19, "second": 39}
